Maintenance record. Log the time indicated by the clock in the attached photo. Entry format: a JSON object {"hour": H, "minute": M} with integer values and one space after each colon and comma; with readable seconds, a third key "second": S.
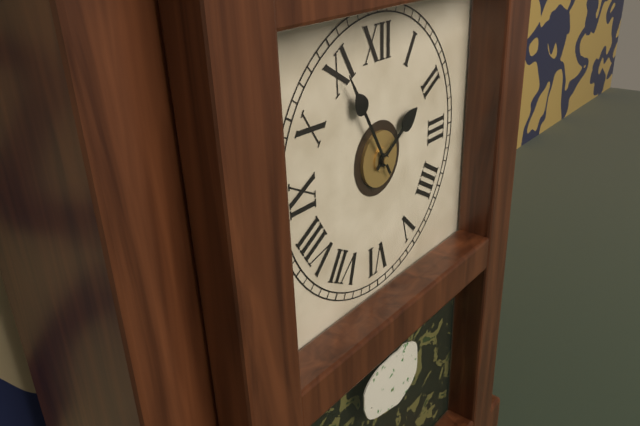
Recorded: {"hour": 1, "minute": 55}
